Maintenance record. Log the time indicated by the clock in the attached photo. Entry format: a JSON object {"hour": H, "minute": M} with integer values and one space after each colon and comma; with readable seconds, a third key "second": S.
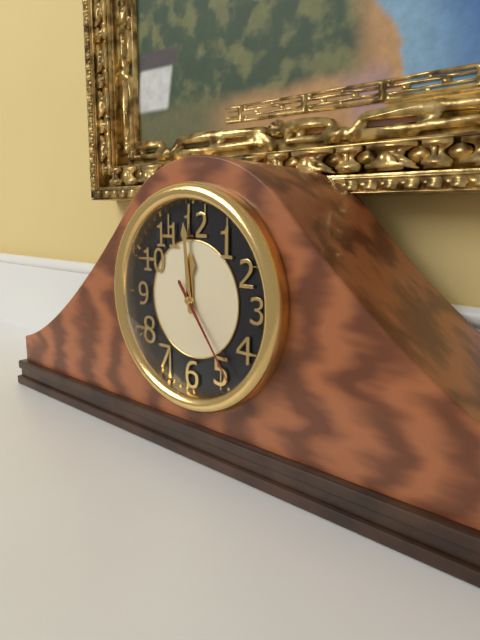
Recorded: {"hour": 11, "minute": 59, "second": 24}
